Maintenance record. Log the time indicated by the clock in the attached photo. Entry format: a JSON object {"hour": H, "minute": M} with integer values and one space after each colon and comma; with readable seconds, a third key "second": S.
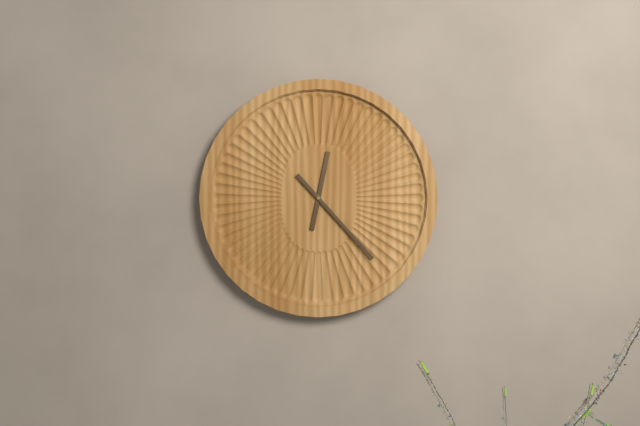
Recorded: {"hour": 12, "minute": 23}
